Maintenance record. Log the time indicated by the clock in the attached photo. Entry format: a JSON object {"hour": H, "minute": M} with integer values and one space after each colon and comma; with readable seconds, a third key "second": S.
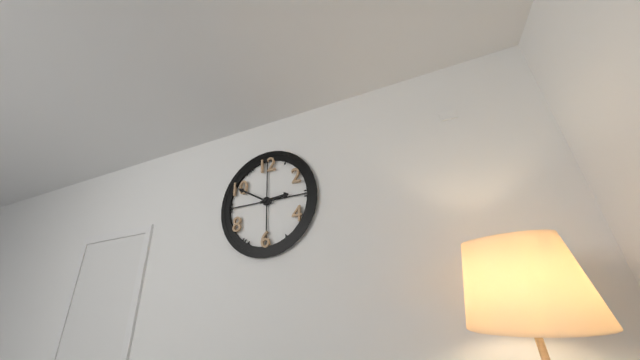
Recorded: {"hour": 2, "minute": 50}
